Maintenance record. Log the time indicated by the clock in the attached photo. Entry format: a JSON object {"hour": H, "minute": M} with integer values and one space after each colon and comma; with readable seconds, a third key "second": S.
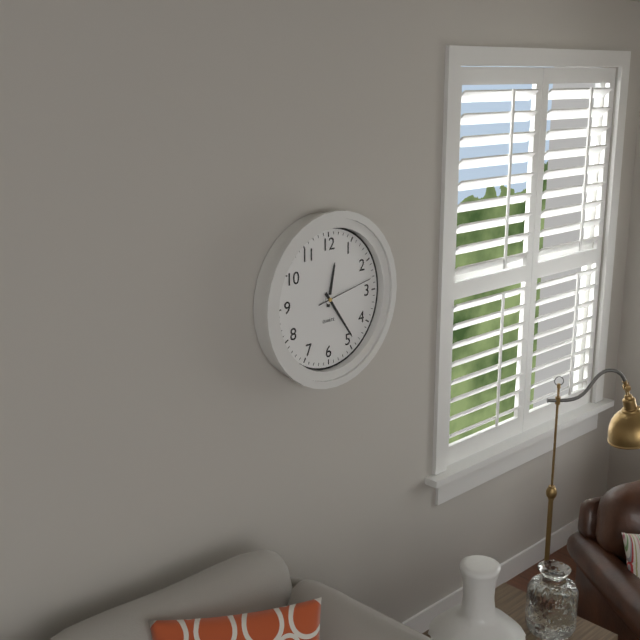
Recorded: {"hour": 12, "minute": 24, "second": 13}
